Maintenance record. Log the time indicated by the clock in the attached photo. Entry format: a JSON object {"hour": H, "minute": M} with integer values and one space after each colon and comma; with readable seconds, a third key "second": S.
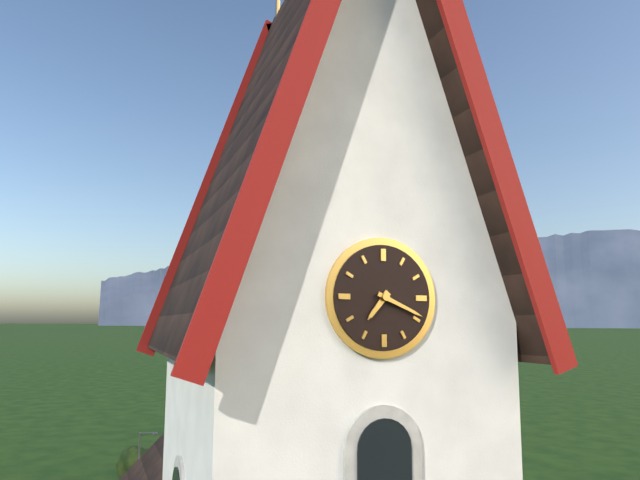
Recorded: {"hour": 7, "minute": 19}
